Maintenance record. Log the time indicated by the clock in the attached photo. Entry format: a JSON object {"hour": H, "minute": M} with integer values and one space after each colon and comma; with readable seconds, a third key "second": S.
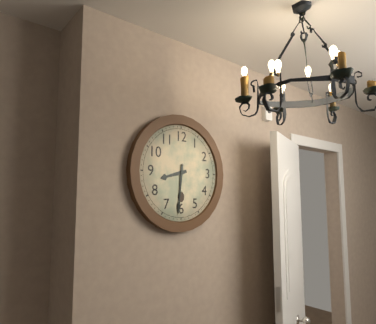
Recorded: {"hour": 8, "minute": 31}
